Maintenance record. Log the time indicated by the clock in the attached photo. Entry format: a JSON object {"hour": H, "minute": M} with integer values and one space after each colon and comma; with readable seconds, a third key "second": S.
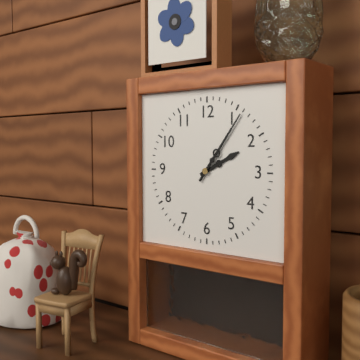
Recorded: {"hour": 2, "minute": 6}
